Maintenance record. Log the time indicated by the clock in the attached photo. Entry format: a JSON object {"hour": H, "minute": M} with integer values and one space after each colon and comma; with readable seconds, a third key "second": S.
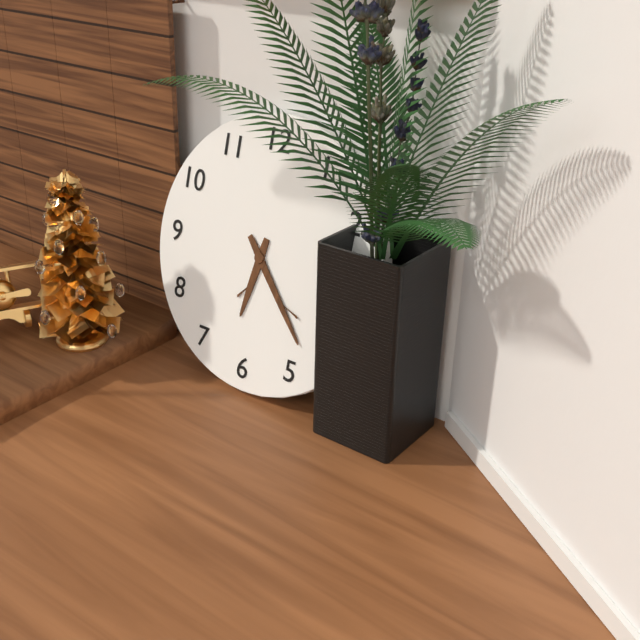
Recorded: {"hour": 6, "minute": 23}
